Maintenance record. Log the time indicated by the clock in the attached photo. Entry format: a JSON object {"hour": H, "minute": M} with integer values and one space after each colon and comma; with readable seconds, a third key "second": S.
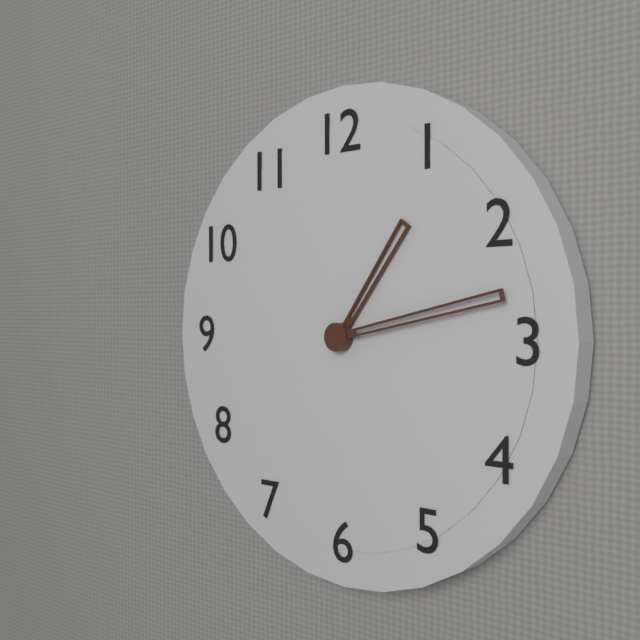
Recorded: {"hour": 1, "minute": 13}
